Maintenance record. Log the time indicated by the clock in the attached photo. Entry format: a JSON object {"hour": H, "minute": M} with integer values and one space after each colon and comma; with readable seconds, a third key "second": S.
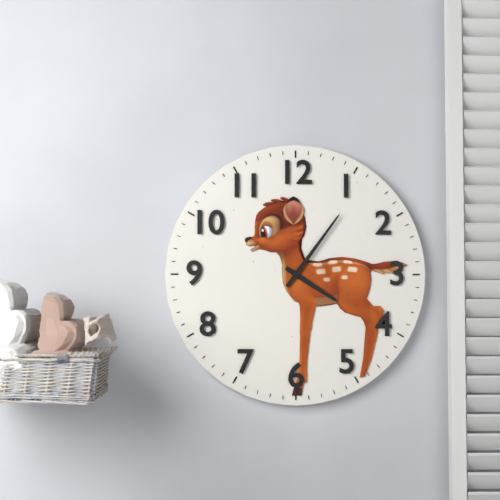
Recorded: {"hour": 4, "minute": 6}
